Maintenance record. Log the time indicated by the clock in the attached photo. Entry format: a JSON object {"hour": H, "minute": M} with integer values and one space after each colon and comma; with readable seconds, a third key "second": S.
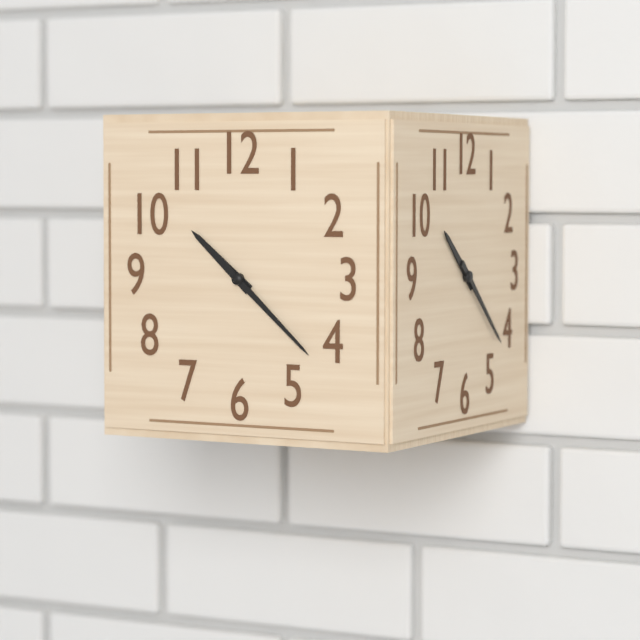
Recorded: {"hour": 10, "minute": 22}
